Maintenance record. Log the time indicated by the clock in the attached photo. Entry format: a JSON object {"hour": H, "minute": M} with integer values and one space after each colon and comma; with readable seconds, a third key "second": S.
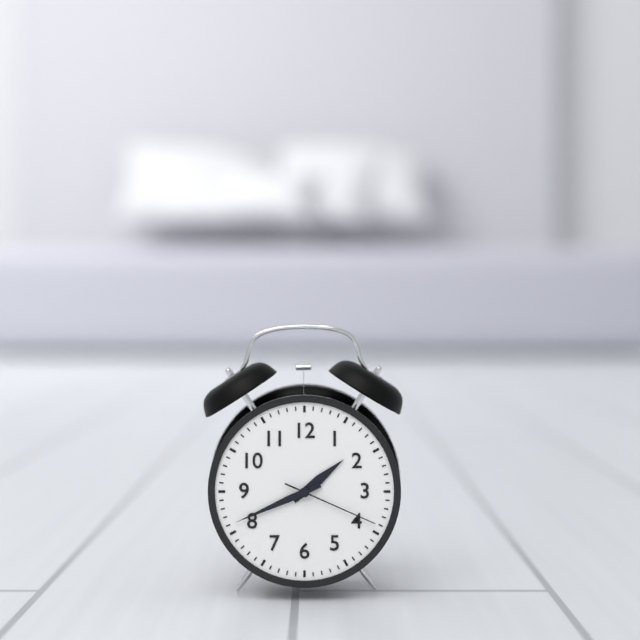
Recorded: {"hour": 1, "minute": 41, "second": 19}
